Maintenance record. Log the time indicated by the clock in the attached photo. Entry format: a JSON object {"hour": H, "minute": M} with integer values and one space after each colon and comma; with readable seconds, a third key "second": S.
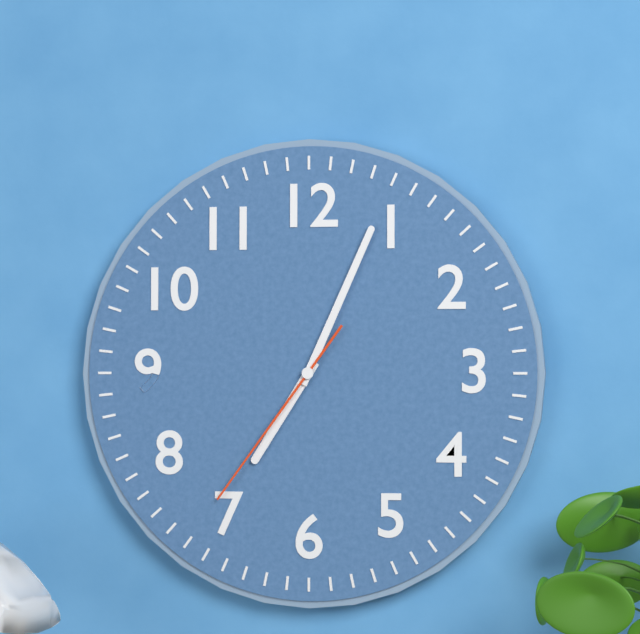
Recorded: {"hour": 7, "minute": 4, "second": 36}
